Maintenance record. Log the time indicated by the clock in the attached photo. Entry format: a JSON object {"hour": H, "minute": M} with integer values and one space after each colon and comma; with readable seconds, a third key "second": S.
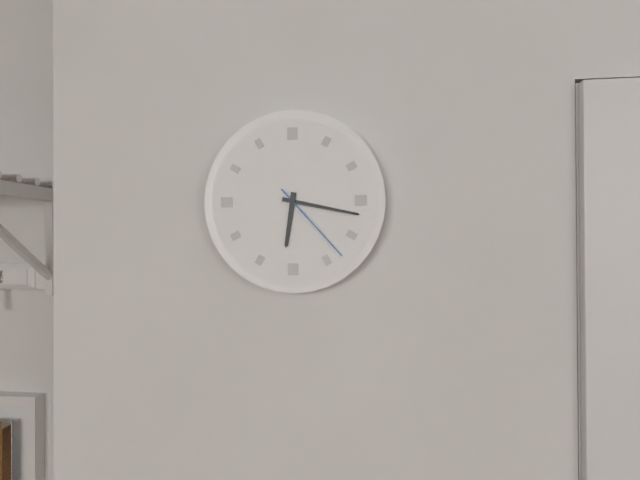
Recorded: {"hour": 6, "minute": 17, "second": 23}
